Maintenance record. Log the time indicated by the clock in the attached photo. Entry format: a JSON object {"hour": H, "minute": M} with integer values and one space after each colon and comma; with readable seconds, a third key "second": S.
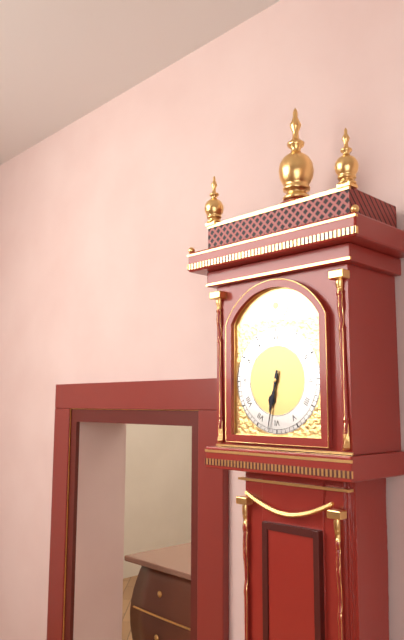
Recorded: {"hour": 6, "minute": 32}
